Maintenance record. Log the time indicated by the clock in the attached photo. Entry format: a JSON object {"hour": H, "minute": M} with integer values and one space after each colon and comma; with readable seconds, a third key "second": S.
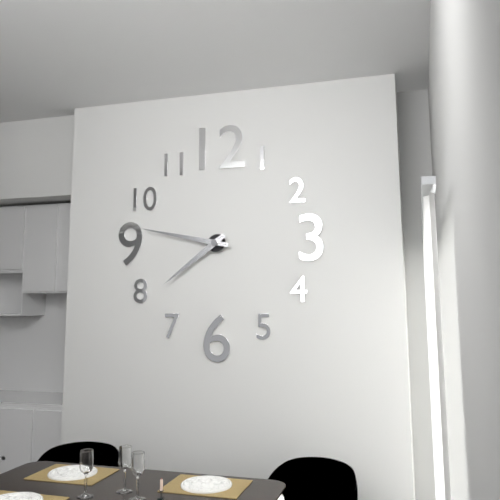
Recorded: {"hour": 7, "minute": 47}
